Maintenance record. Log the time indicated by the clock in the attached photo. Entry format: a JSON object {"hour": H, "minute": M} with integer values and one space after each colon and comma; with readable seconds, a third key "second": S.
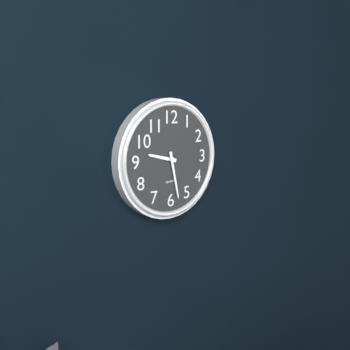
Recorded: {"hour": 9, "minute": 28}
